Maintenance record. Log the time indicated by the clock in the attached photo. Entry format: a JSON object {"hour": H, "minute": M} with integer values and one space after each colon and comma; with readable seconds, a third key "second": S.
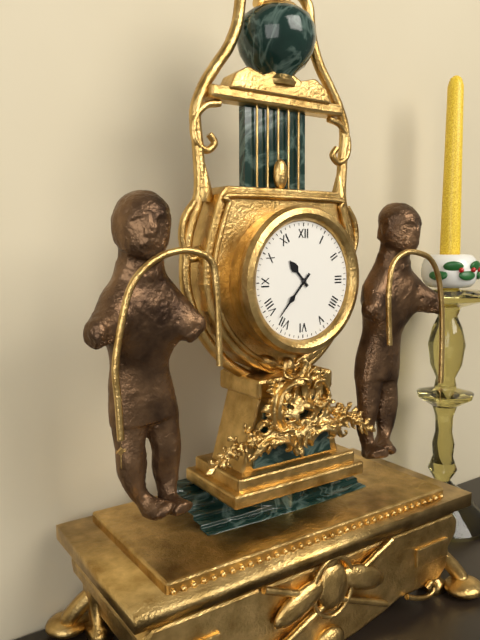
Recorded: {"hour": 10, "minute": 37}
